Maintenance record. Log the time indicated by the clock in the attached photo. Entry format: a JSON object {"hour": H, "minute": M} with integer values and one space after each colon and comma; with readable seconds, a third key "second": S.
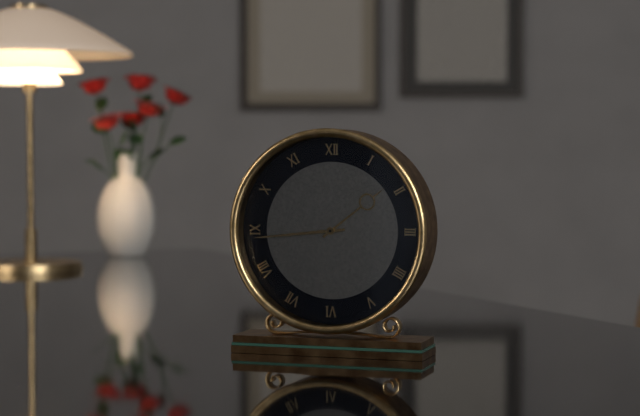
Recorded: {"hour": 1, "minute": 44}
